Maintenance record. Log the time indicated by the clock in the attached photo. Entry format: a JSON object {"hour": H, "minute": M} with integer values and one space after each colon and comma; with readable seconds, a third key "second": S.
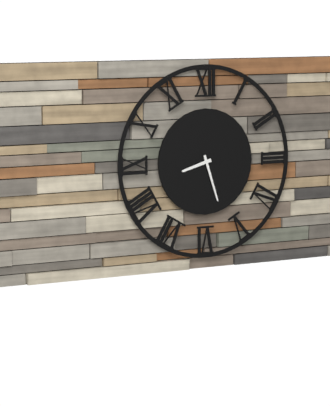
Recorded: {"hour": 8, "minute": 27}
